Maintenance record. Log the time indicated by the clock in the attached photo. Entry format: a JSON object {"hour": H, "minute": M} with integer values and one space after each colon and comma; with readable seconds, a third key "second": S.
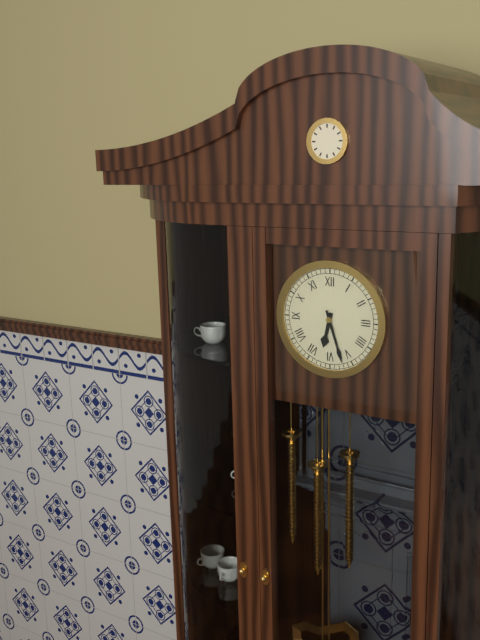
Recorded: {"hour": 6, "minute": 27}
